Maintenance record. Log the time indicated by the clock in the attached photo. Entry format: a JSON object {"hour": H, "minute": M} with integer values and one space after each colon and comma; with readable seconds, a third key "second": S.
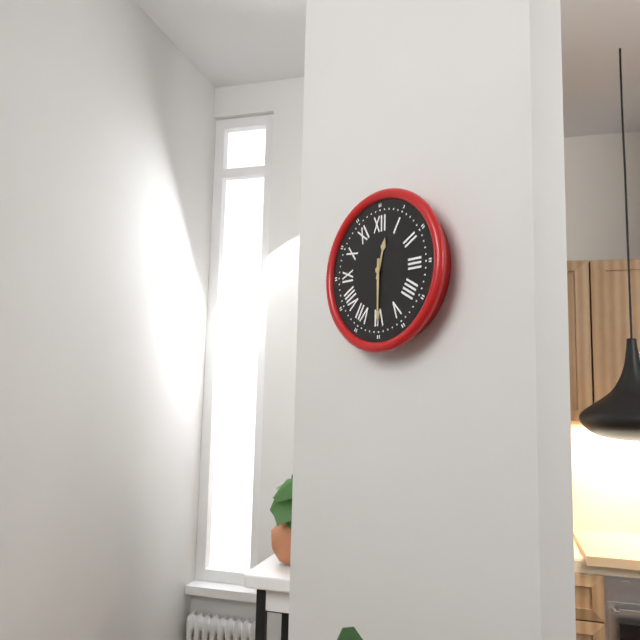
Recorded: {"hour": 12, "minute": 30}
